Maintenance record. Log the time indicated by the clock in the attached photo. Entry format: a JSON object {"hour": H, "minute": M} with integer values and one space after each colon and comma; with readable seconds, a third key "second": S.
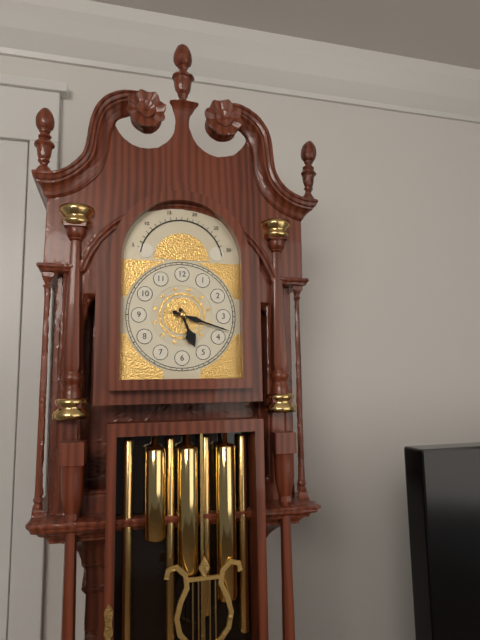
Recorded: {"hour": 5, "minute": 18}
